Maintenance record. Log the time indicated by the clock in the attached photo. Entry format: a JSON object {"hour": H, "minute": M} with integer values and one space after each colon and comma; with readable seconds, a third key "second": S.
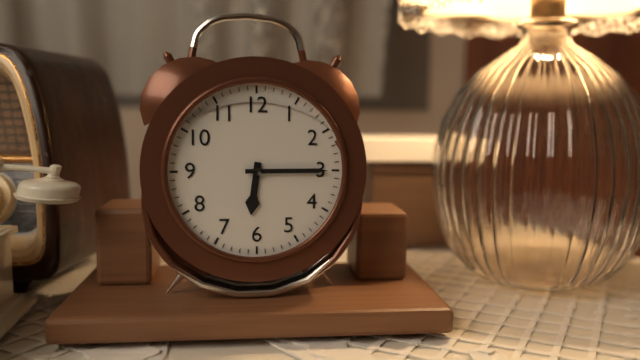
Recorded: {"hour": 6, "minute": 15}
